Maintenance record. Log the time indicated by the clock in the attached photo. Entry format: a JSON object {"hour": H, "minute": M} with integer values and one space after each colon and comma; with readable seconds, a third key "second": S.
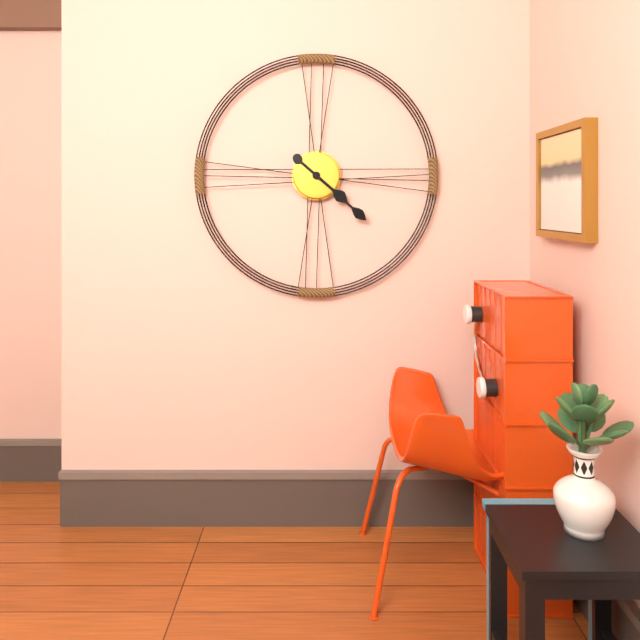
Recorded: {"hour": 4, "minute": 22}
